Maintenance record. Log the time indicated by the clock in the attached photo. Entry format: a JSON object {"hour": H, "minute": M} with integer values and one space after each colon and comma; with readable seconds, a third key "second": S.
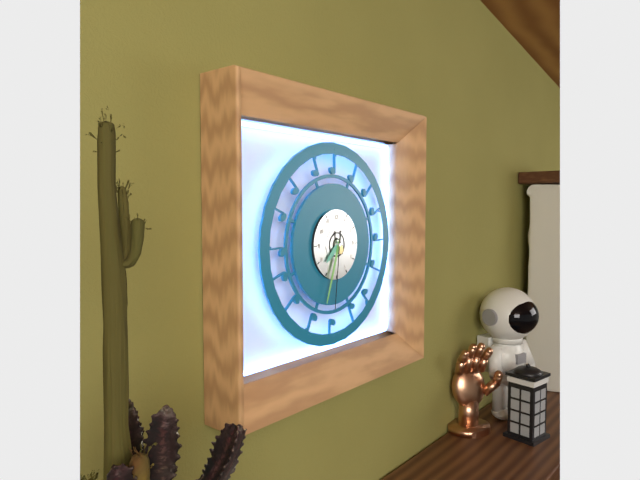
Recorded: {"hour": 7, "minute": 33, "second": 31}
